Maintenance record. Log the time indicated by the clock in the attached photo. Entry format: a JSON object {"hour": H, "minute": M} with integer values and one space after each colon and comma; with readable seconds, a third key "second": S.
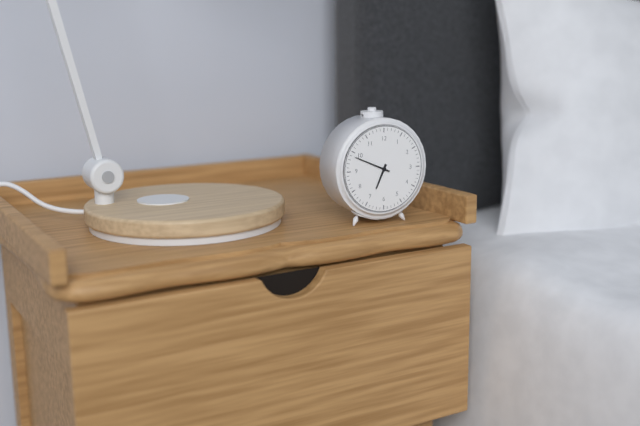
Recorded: {"hour": 6, "minute": 49}
